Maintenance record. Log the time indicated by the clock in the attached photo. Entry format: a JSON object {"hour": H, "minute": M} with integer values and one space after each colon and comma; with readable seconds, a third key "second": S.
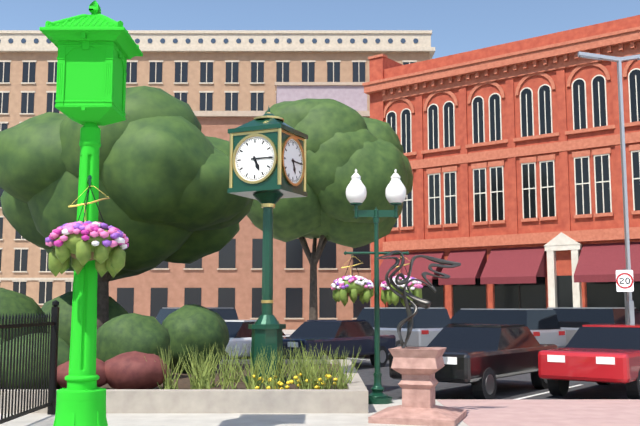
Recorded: {"hour": 5, "minute": 15}
